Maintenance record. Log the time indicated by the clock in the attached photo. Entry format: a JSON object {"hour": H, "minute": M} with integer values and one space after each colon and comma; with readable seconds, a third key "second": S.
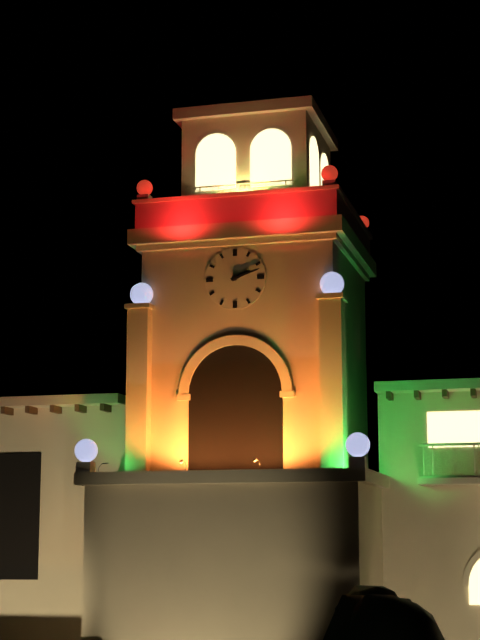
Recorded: {"hour": 2, "minute": 12}
